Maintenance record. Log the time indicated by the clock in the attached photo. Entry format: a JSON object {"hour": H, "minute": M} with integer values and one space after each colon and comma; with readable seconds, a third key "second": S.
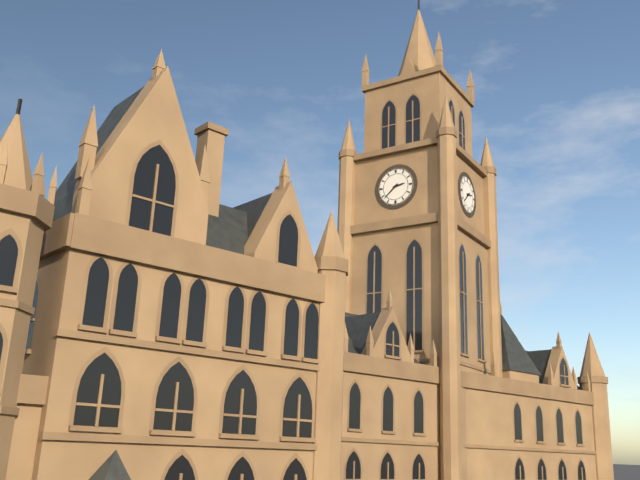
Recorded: {"hour": 2, "minute": 38}
